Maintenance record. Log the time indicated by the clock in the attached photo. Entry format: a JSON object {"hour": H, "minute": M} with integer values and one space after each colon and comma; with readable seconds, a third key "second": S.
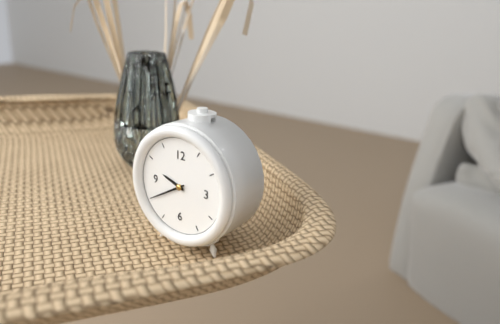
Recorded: {"hour": 9, "minute": 40}
